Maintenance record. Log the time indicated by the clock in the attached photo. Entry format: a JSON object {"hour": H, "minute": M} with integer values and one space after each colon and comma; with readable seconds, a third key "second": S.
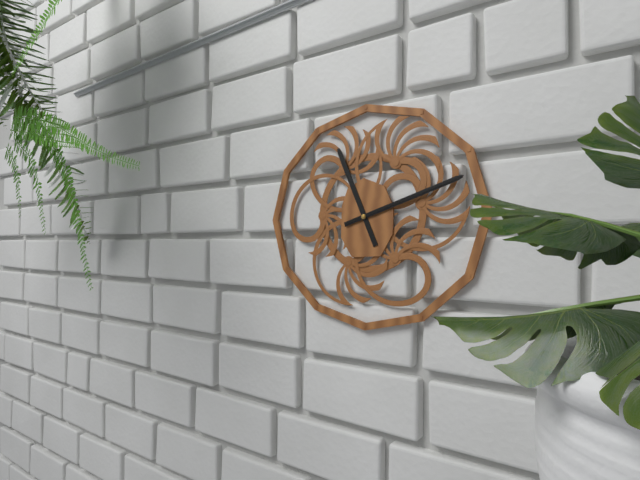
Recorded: {"hour": 11, "minute": 12, "second": 12}
